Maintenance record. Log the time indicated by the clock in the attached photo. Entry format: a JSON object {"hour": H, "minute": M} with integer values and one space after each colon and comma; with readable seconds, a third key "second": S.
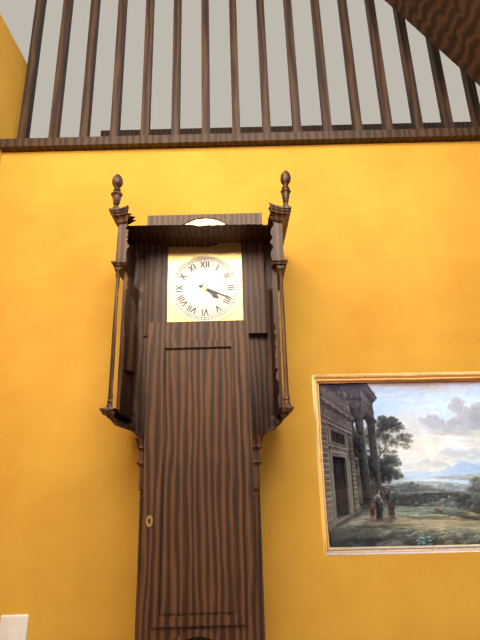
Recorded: {"hour": 4, "minute": 19}
